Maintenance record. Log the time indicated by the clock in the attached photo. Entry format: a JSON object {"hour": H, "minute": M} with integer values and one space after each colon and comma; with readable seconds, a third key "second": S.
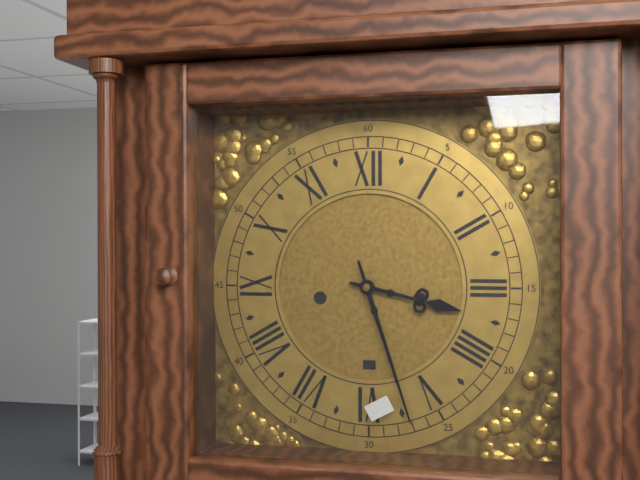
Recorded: {"hour": 3, "minute": 27}
